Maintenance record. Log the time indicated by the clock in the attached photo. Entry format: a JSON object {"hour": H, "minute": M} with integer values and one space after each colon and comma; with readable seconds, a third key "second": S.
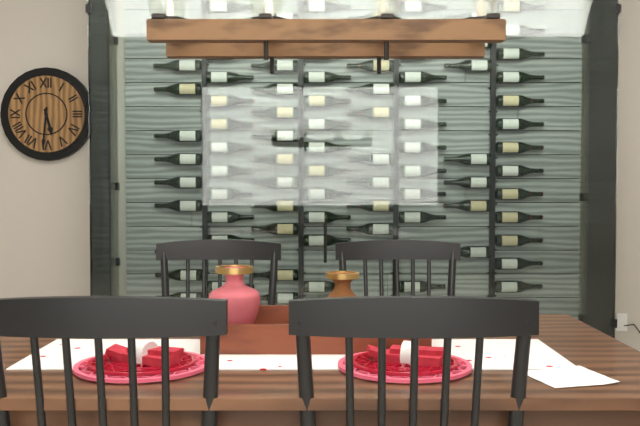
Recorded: {"hour": 5, "minute": 31}
